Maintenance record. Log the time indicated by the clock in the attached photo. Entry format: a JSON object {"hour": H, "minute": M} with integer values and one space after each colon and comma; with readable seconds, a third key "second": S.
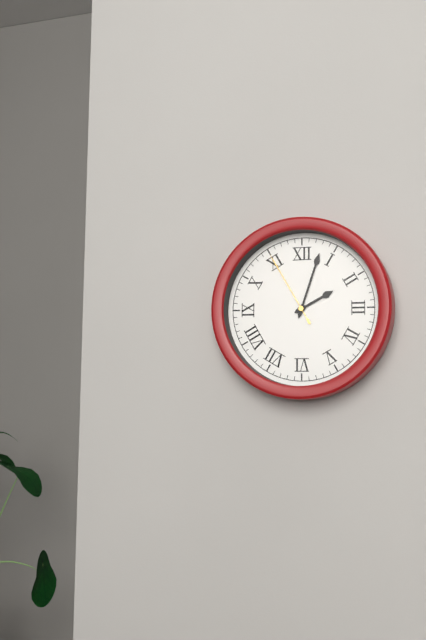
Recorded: {"hour": 2, "minute": 3, "second": 55}
